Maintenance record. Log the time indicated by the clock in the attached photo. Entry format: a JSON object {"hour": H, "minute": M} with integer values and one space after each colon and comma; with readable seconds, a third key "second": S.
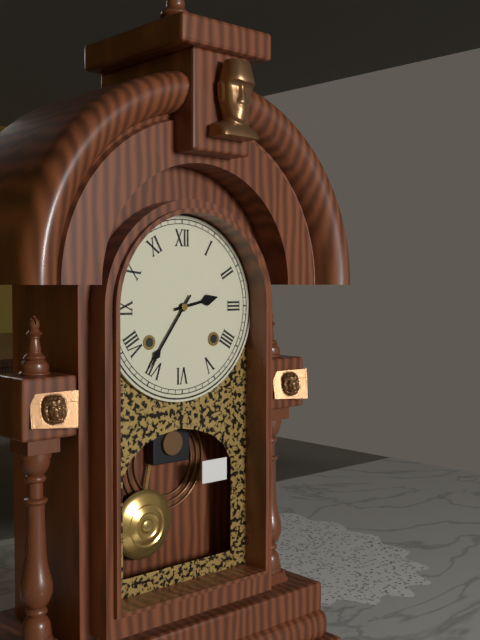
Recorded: {"hour": 2, "minute": 36}
